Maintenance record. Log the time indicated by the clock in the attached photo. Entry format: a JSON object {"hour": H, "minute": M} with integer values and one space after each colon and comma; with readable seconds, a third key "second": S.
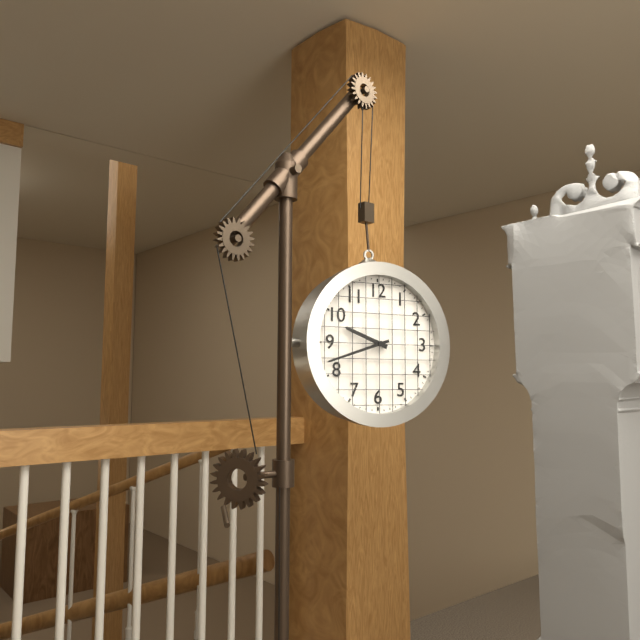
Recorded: {"hour": 9, "minute": 42}
